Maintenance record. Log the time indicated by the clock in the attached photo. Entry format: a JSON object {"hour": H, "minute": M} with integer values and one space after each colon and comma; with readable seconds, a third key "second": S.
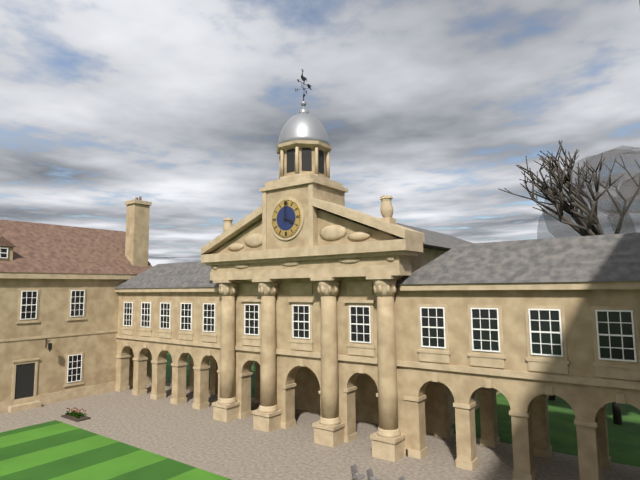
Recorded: {"hour": 4, "minute": 0}
